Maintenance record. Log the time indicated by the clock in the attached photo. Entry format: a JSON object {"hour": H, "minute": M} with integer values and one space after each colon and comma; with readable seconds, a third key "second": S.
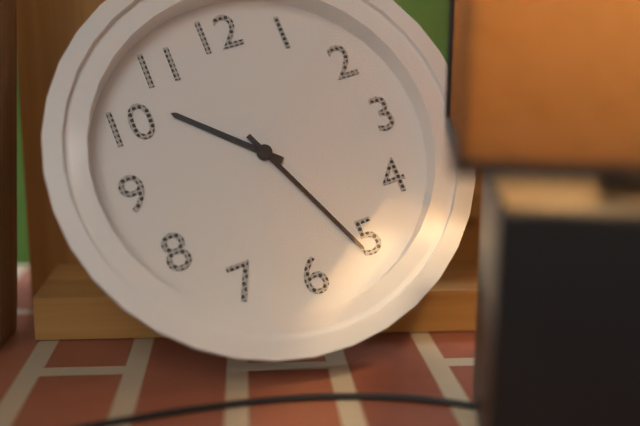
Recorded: {"hour": 10, "minute": 26}
